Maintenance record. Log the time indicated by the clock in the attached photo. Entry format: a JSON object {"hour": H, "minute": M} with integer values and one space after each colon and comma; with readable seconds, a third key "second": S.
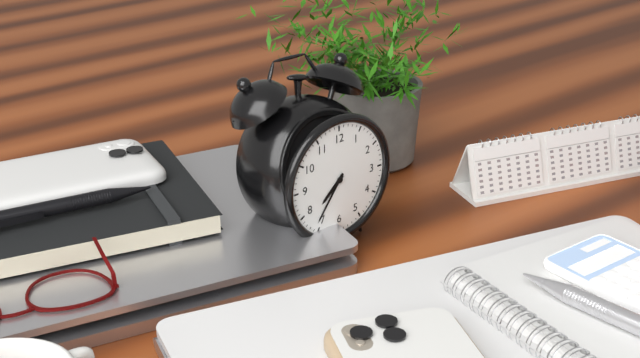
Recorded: {"hour": 7, "minute": 36}
